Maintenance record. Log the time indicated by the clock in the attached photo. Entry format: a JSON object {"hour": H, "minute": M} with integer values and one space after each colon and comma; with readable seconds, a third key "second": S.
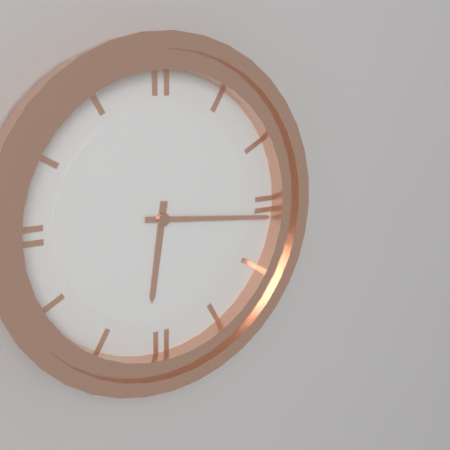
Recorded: {"hour": 6, "minute": 16}
